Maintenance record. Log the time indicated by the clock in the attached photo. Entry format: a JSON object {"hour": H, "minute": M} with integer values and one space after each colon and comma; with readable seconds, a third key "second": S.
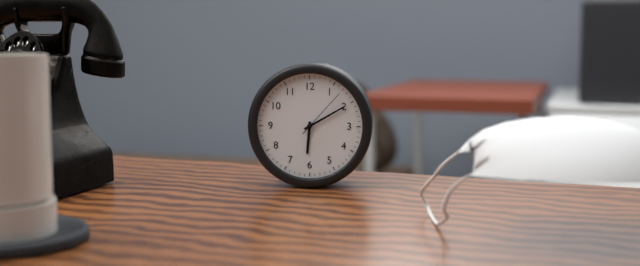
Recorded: {"hour": 6, "minute": 10, "second": 7}
